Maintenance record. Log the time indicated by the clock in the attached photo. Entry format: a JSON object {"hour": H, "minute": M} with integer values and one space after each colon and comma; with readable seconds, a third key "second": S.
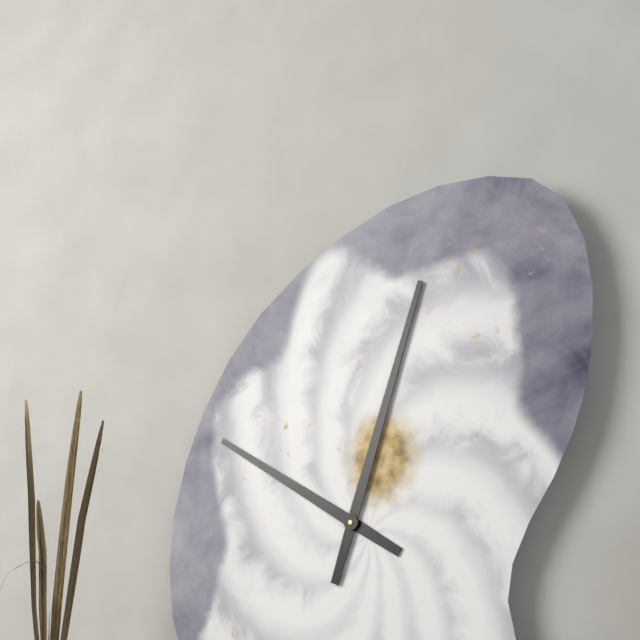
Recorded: {"hour": 10, "minute": 3}
